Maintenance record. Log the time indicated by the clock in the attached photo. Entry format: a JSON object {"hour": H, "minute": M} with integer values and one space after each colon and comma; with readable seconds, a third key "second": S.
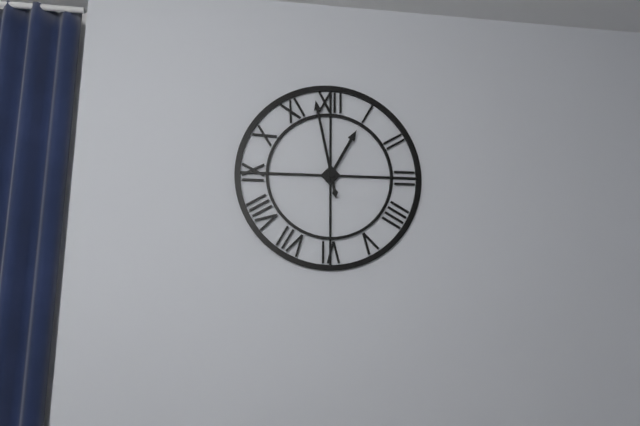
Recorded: {"hour": 12, "minute": 58}
